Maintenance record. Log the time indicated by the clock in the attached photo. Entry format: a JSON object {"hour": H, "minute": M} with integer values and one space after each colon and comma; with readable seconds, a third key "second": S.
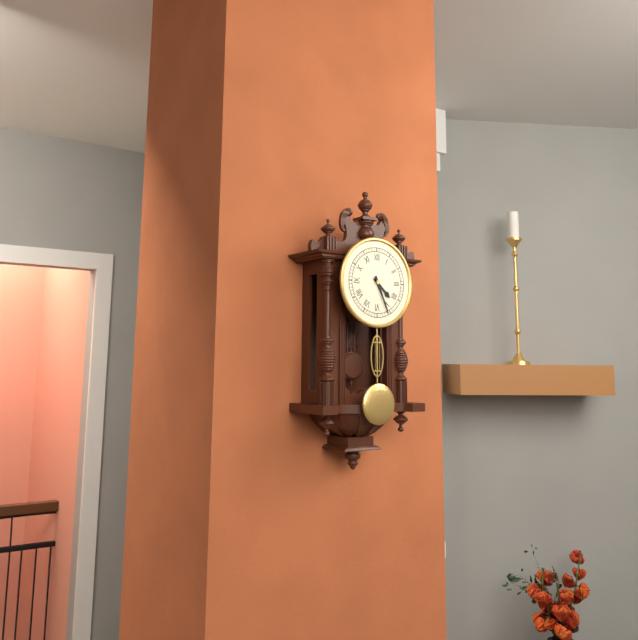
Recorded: {"hour": 4, "minute": 26}
